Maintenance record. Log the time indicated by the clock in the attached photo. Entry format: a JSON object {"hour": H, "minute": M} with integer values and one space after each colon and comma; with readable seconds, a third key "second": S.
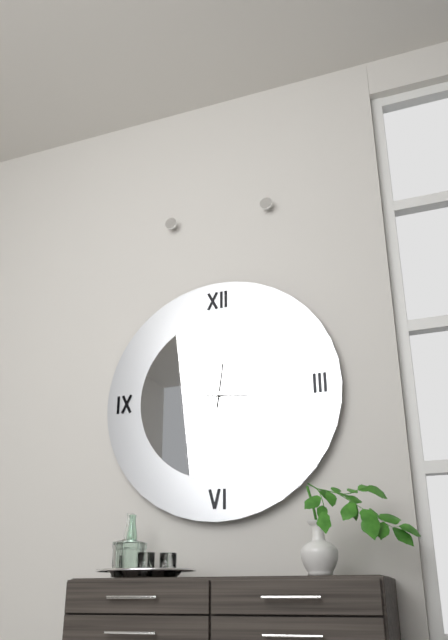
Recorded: {"hour": 12, "minute": 16}
